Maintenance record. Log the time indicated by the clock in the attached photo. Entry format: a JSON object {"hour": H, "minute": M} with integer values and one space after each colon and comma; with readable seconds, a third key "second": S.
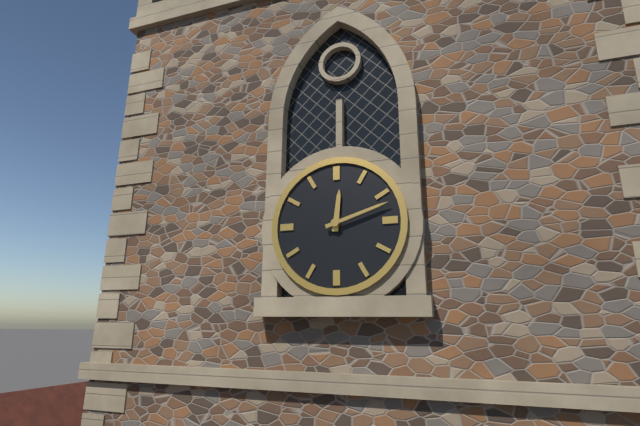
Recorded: {"hour": 12, "minute": 12}
